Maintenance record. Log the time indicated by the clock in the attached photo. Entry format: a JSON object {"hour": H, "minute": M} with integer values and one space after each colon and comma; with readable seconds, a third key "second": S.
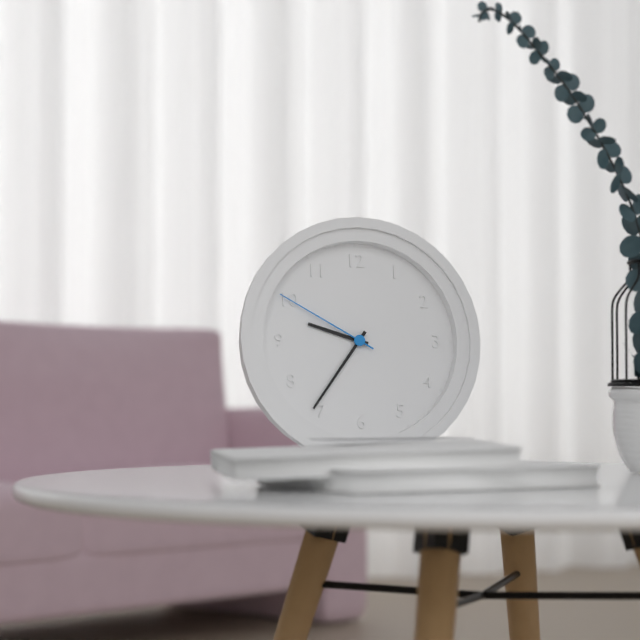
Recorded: {"hour": 9, "minute": 36, "second": 50}
